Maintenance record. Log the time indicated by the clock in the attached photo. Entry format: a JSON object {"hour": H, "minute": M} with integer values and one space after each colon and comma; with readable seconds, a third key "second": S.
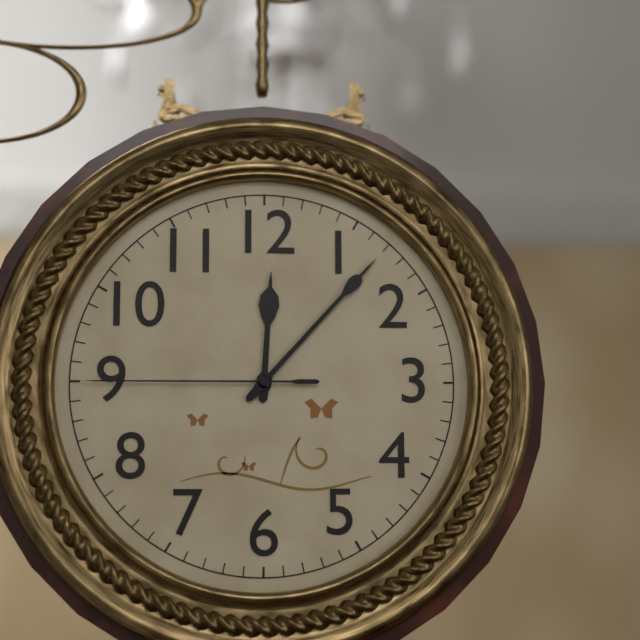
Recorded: {"hour": 12, "minute": 7, "second": 45}
